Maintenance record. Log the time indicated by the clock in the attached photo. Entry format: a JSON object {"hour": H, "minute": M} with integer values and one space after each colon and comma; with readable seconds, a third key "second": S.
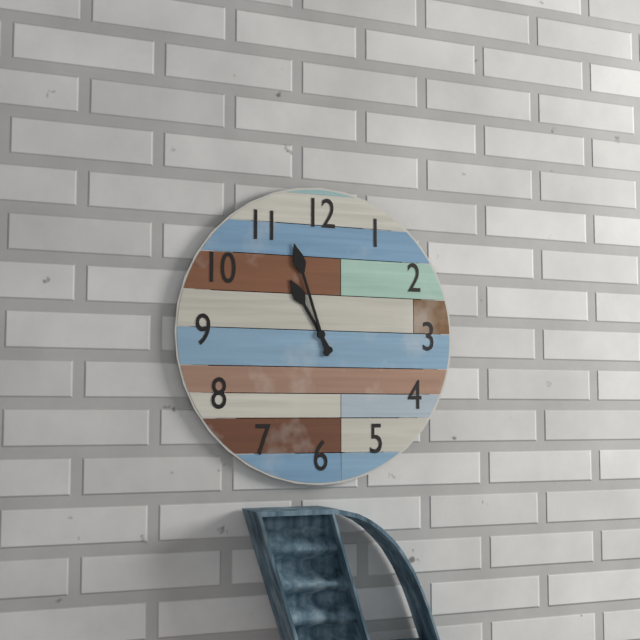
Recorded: {"hour": 10, "minute": 57}
